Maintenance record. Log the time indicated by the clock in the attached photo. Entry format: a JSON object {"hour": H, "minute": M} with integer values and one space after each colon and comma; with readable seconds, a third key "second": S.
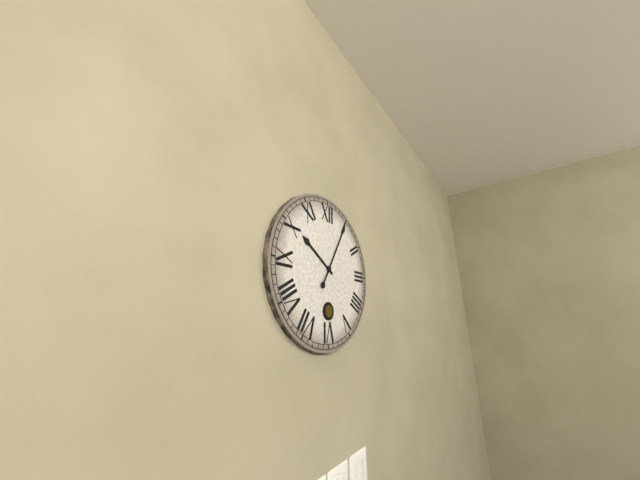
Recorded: {"hour": 10, "minute": 5}
